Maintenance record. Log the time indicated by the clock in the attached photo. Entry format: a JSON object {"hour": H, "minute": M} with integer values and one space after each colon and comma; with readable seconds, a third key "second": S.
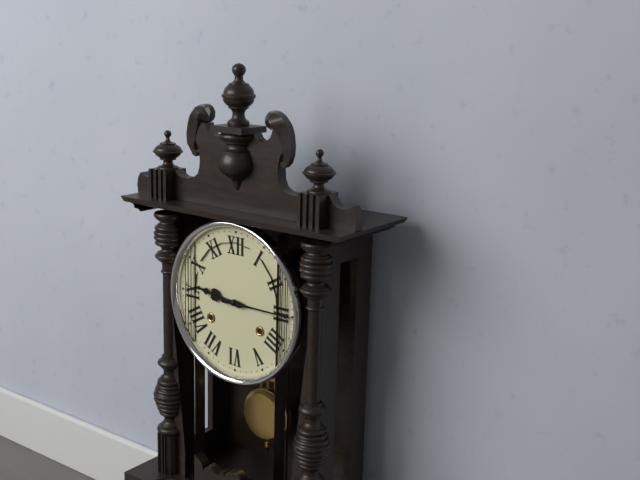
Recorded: {"hour": 9, "minute": 15}
